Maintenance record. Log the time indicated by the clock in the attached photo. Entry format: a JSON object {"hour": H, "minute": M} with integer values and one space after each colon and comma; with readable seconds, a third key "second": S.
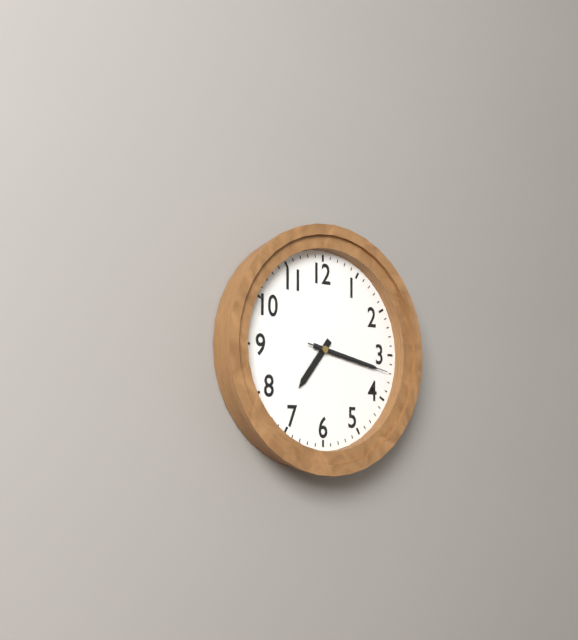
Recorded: {"hour": 7, "minute": 17, "second": 17}
